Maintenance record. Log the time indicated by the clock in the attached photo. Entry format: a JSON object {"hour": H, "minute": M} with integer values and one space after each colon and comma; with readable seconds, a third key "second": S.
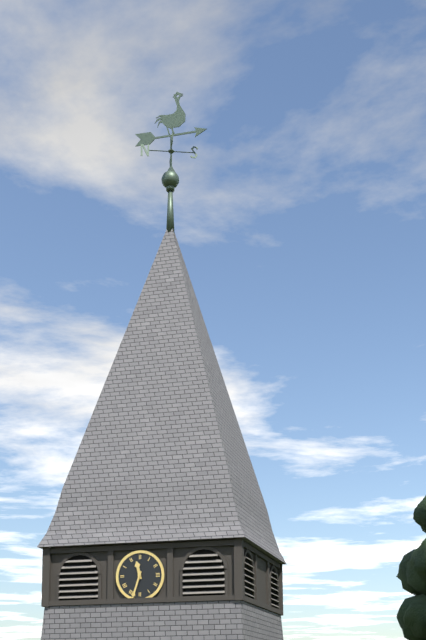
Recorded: {"hour": 11, "minute": 33}
